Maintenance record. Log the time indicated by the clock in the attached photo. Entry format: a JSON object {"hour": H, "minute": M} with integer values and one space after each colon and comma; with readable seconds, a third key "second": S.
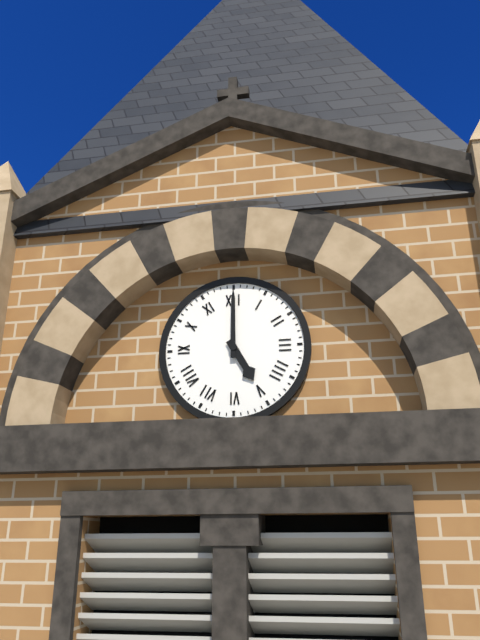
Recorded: {"hour": 5, "minute": 0}
